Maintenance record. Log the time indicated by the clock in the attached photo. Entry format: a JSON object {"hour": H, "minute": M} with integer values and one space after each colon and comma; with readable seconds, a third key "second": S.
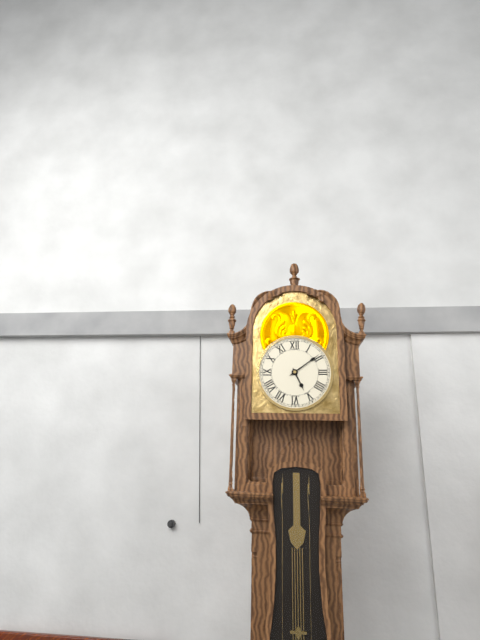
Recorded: {"hour": 5, "minute": 9}
